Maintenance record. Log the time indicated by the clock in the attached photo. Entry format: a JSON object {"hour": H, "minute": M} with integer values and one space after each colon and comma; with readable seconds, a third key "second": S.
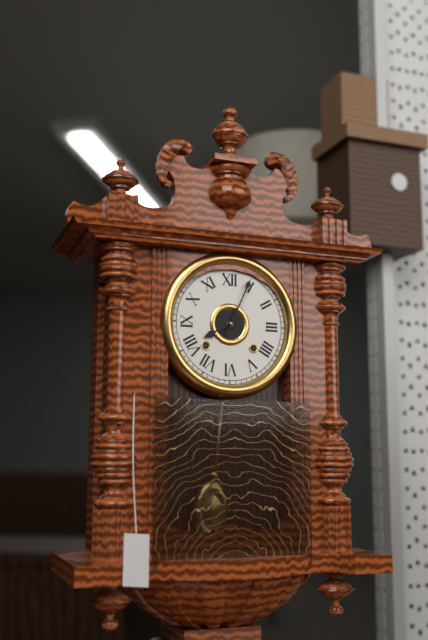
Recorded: {"hour": 8, "minute": 4}
